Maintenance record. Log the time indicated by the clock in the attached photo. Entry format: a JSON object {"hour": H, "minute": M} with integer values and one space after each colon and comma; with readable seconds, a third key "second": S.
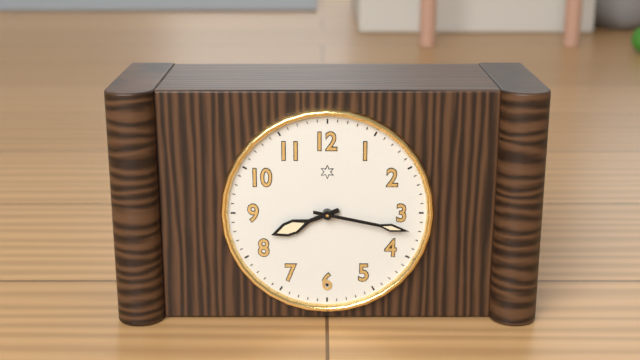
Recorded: {"hour": 8, "minute": 17}
